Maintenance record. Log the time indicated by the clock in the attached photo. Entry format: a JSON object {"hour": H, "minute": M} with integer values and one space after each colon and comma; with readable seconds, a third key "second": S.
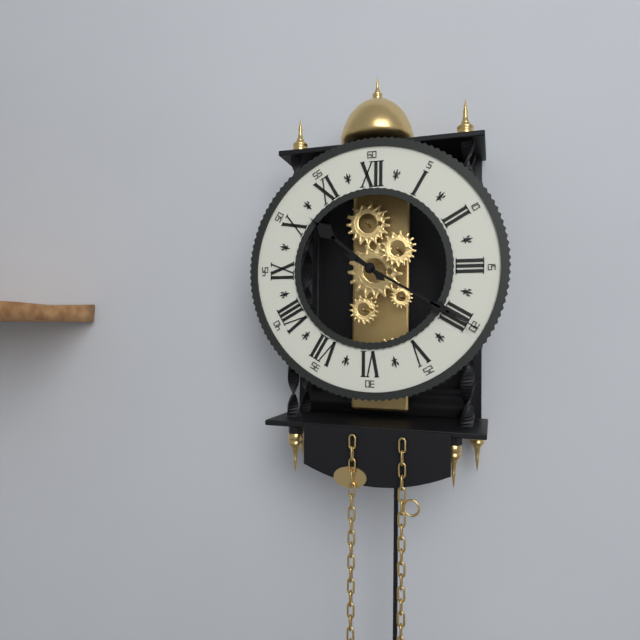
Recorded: {"hour": 10, "minute": 20}
